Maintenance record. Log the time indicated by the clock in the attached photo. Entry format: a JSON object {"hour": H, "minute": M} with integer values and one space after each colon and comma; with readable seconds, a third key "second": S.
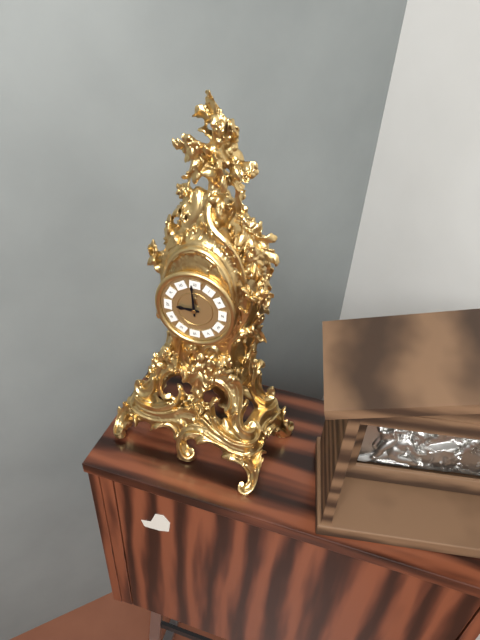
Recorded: {"hour": 8, "minute": 59}
